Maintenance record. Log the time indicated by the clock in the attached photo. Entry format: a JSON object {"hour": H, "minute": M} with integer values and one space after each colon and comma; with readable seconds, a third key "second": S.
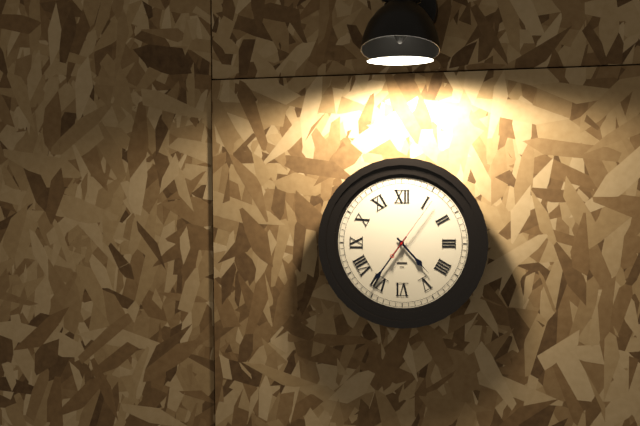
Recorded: {"hour": 4, "minute": 36, "second": 6}
